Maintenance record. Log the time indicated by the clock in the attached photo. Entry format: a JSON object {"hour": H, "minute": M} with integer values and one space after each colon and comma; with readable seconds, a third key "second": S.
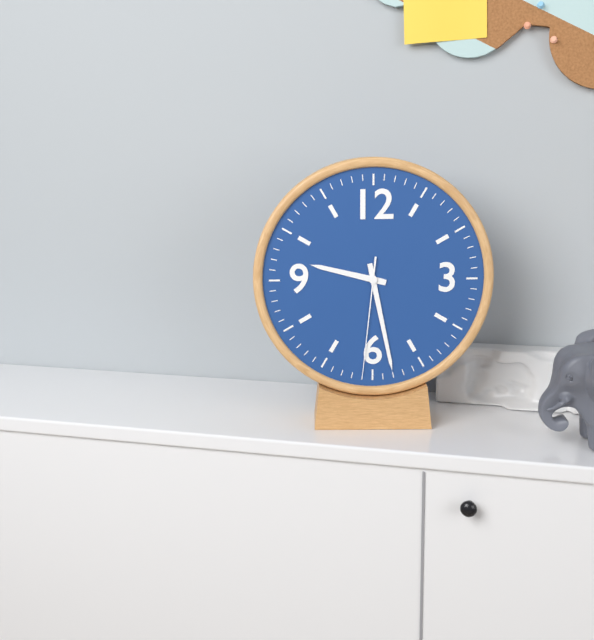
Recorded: {"hour": 9, "minute": 28, "second": 31}
